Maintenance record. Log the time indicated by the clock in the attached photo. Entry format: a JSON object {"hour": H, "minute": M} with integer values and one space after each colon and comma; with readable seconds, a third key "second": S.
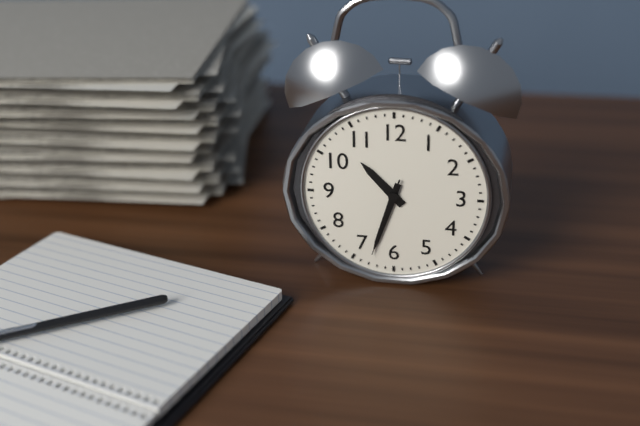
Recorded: {"hour": 10, "minute": 33, "second": 33}
